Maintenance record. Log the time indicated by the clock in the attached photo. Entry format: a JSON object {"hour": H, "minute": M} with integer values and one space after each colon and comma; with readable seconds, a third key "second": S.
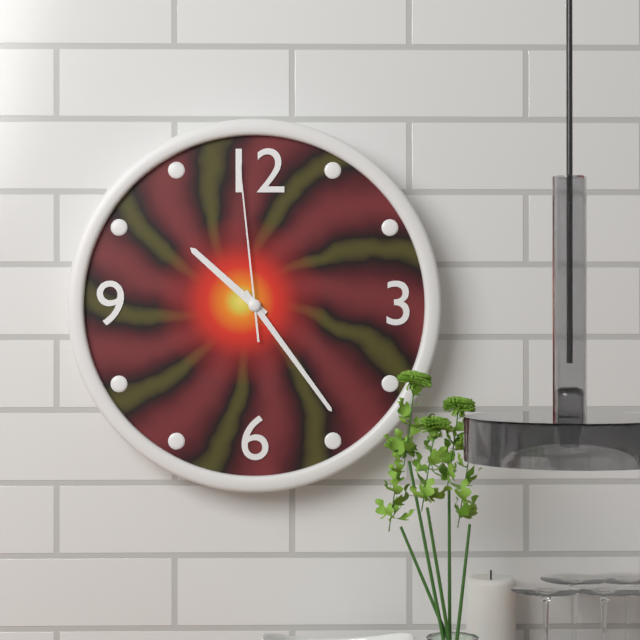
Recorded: {"hour": 10, "minute": 24, "second": 59}
